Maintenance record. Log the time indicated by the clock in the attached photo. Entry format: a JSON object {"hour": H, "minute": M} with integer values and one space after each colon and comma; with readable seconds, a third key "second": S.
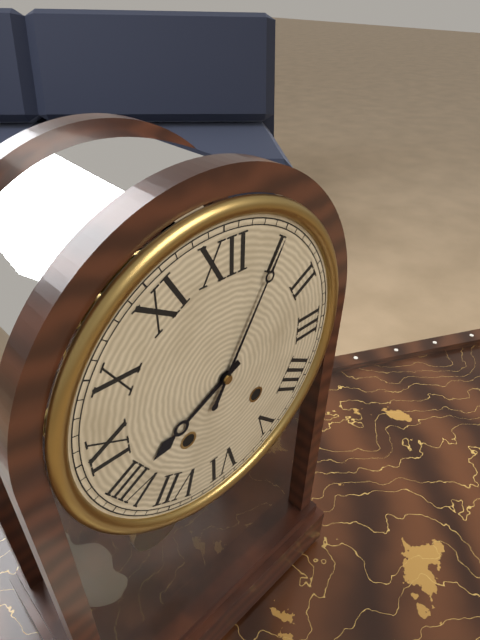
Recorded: {"hour": 8, "minute": 5}
